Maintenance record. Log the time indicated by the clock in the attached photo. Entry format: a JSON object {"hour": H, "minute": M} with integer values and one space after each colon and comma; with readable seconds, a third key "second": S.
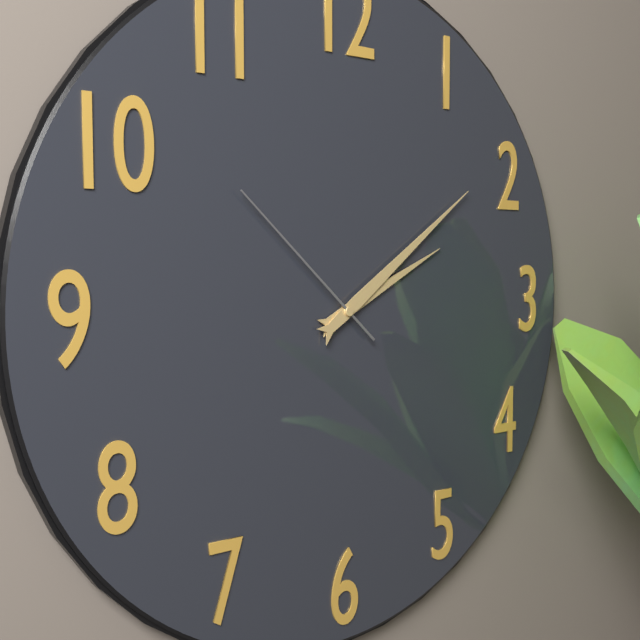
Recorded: {"hour": 2, "minute": 9, "second": 52}
